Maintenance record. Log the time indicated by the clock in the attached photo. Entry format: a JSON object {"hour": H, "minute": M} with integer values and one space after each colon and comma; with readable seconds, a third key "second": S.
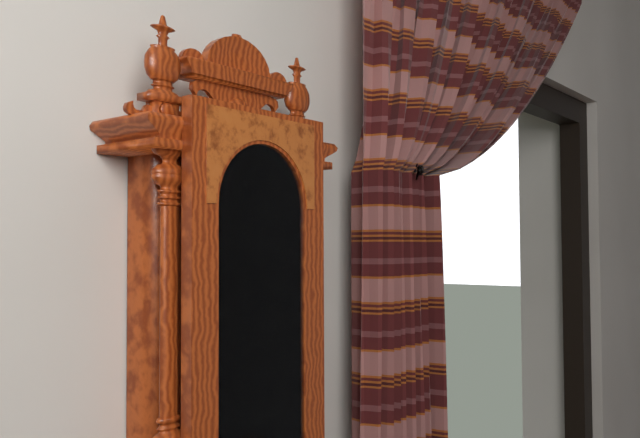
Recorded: {"hour": 7, "minute": 31}
